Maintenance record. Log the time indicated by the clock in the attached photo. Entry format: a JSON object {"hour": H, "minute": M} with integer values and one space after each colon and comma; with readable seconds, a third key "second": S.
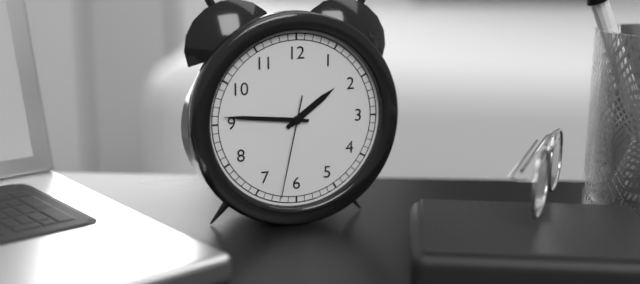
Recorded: {"hour": 1, "minute": 46, "second": 32}
